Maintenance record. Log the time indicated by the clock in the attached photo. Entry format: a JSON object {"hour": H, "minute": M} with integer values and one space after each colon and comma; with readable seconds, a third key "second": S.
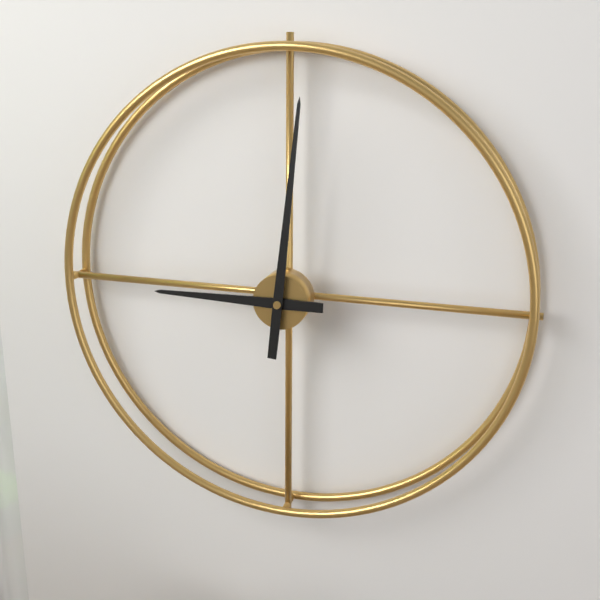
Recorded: {"hour": 9, "minute": 1}
